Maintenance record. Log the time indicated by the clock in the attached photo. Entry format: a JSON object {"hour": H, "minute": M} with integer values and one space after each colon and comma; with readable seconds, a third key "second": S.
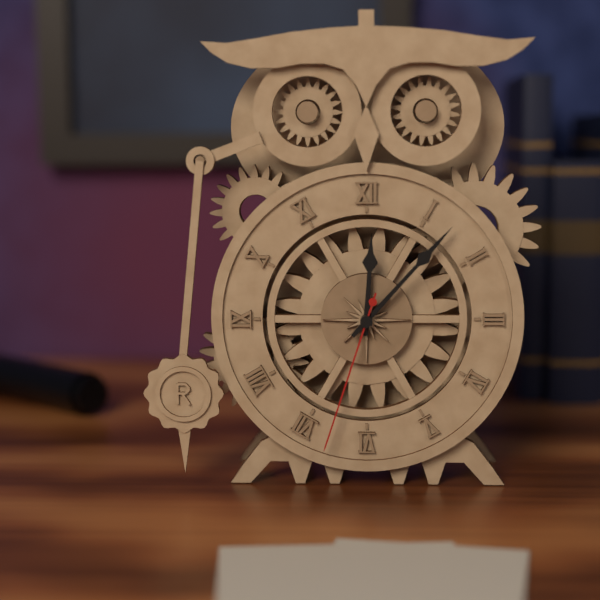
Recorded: {"hour": 12, "minute": 7, "second": 33}
